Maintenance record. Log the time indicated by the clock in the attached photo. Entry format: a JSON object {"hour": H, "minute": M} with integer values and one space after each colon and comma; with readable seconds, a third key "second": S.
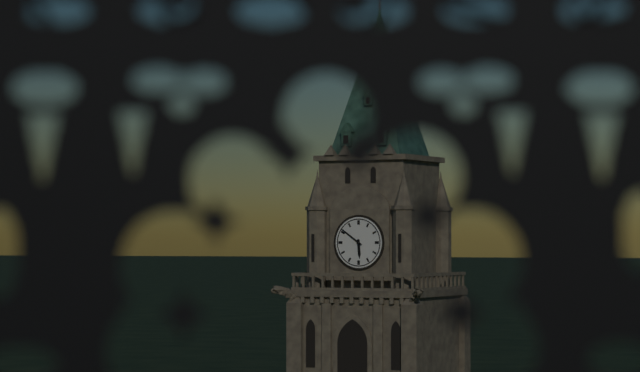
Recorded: {"hour": 5, "minute": 51}
